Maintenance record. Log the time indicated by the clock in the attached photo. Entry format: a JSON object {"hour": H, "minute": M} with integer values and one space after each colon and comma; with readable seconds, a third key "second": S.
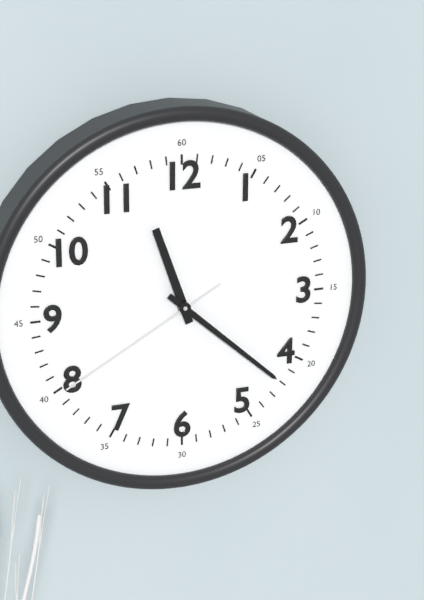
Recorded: {"hour": 11, "minute": 22, "second": 40}
